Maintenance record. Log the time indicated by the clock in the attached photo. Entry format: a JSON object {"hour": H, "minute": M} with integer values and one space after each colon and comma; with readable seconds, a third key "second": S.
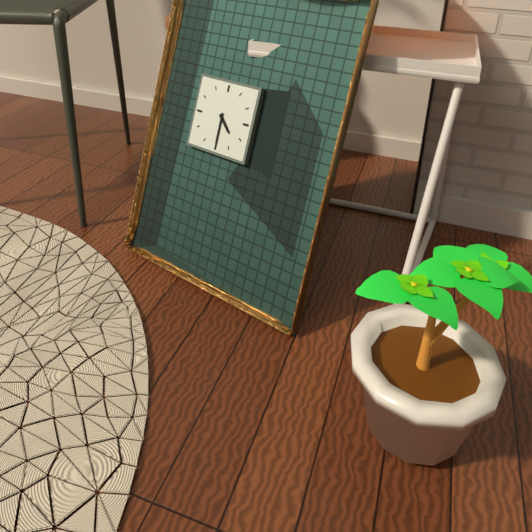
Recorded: {"hour": 4, "minute": 30}
